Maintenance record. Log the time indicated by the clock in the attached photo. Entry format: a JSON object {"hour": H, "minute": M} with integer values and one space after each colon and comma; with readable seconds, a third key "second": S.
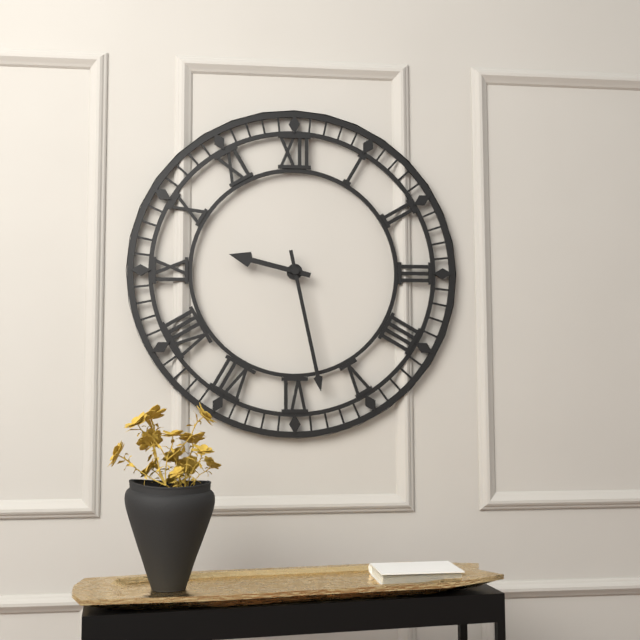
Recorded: {"hour": 9, "minute": 28}
